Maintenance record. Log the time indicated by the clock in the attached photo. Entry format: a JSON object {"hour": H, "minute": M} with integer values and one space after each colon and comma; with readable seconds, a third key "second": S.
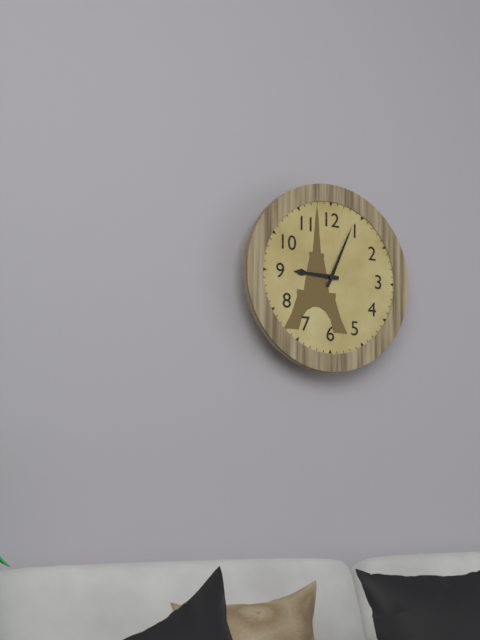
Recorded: {"hour": 9, "minute": 4}
